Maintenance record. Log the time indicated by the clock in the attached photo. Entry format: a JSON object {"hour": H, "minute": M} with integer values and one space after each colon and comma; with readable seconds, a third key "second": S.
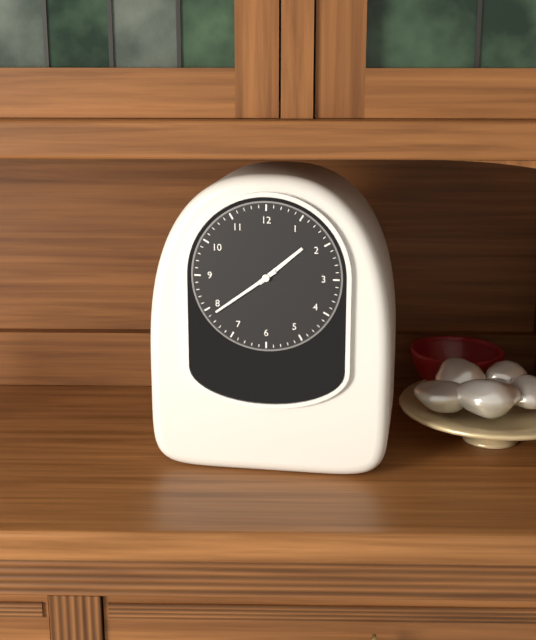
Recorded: {"hour": 1, "minute": 39}
